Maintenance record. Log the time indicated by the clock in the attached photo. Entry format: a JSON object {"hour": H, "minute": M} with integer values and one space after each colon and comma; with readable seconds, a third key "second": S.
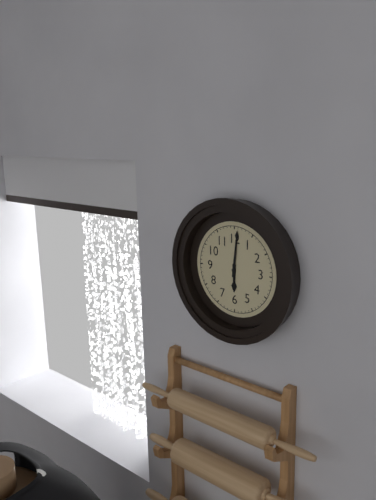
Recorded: {"hour": 6, "minute": 1}
